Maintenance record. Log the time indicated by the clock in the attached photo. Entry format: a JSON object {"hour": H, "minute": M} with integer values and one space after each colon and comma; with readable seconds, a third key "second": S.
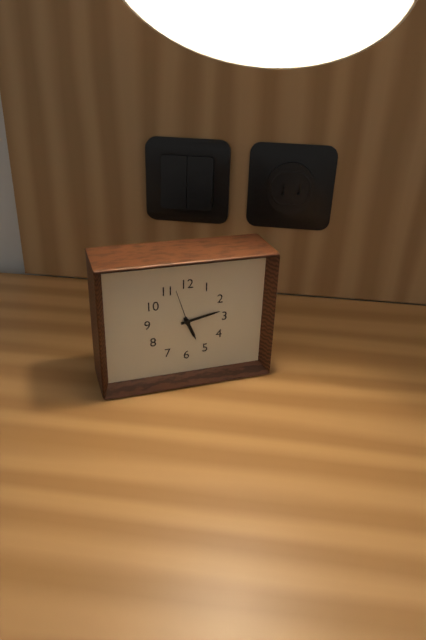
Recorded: {"hour": 5, "minute": 13}
